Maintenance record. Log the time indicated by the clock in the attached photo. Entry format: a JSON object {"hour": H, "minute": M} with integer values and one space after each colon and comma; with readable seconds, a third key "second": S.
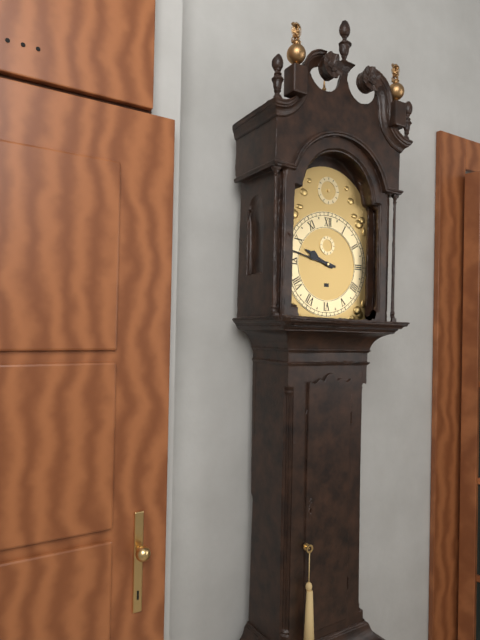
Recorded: {"hour": 9, "minute": 47}
